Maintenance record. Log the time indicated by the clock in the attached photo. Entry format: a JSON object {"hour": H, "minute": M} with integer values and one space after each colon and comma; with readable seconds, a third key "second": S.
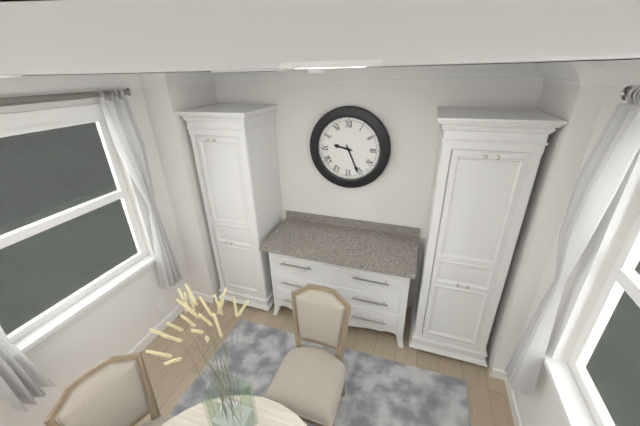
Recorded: {"hour": 9, "minute": 26}
